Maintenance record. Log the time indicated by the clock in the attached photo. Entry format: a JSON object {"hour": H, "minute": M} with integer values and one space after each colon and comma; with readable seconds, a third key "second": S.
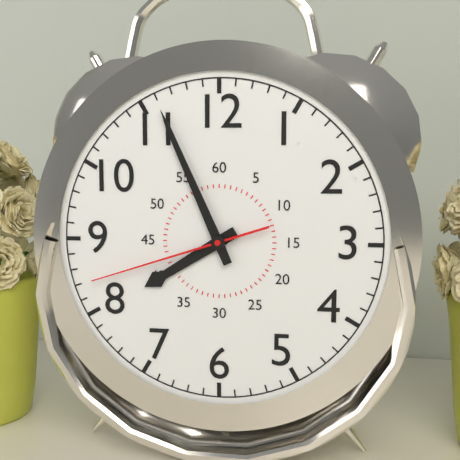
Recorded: {"hour": 7, "minute": 56, "second": 42}
